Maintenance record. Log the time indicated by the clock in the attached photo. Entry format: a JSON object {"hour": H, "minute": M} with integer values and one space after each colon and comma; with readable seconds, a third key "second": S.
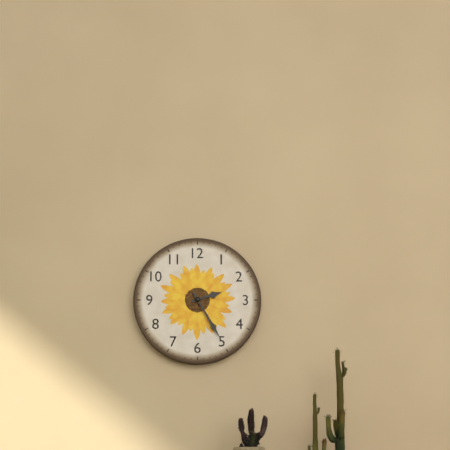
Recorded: {"hour": 2, "minute": 25}
